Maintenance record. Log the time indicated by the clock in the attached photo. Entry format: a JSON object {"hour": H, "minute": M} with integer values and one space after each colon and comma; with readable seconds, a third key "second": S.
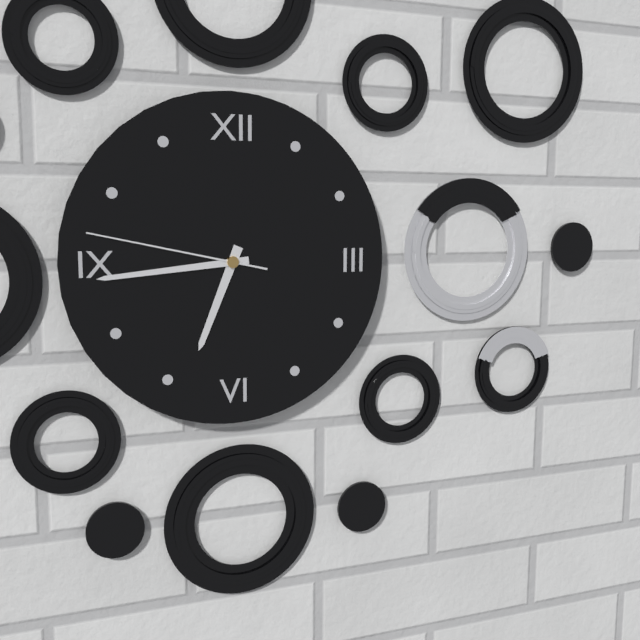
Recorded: {"hour": 6, "minute": 44, "second": 47}
